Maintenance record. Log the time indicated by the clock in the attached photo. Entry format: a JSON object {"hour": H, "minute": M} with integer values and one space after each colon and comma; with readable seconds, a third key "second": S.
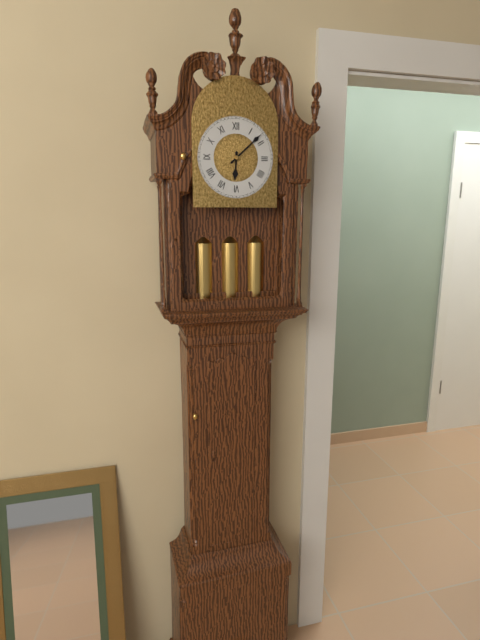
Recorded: {"hour": 6, "minute": 8}
